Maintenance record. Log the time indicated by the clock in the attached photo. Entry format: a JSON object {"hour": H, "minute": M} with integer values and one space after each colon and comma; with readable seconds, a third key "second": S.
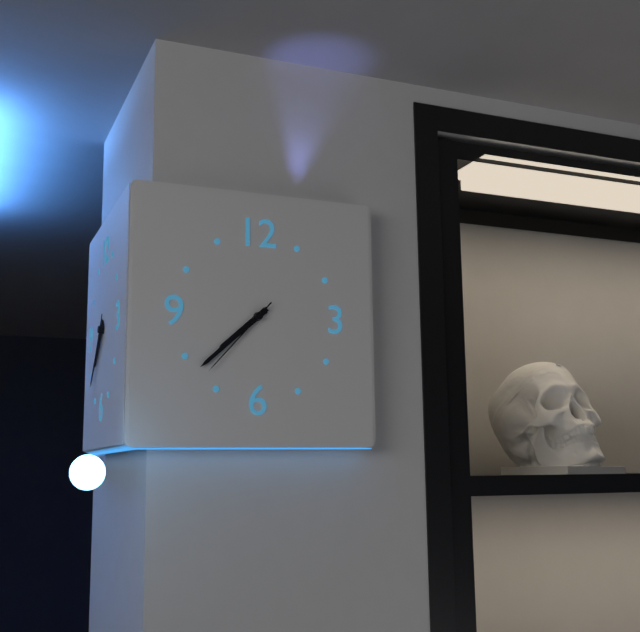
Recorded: {"hour": 7, "minute": 38, "second": 37}
